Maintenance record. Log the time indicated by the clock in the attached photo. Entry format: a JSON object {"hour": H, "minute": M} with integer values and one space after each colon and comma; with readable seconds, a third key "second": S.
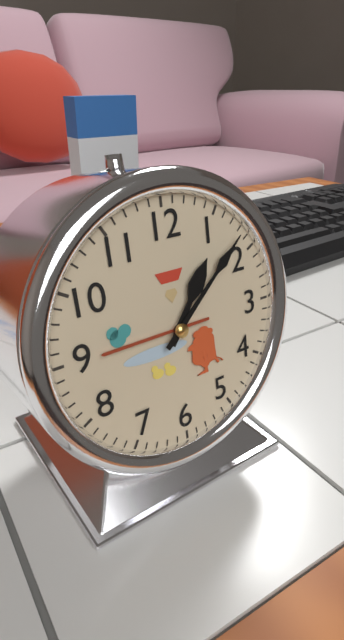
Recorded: {"hour": 1, "minute": 8}
